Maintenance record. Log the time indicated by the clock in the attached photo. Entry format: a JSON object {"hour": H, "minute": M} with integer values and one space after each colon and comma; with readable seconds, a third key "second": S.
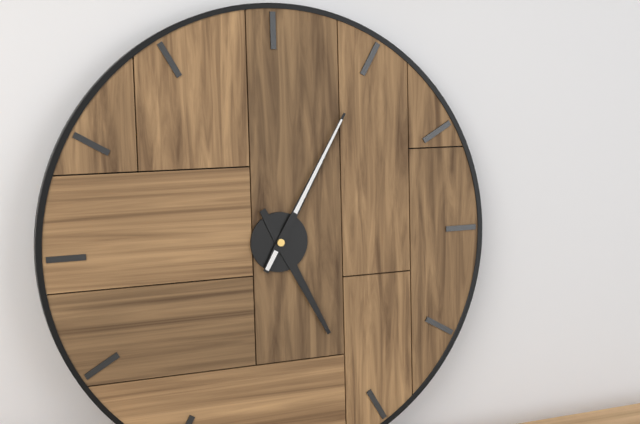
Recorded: {"hour": 5, "minute": 5}
